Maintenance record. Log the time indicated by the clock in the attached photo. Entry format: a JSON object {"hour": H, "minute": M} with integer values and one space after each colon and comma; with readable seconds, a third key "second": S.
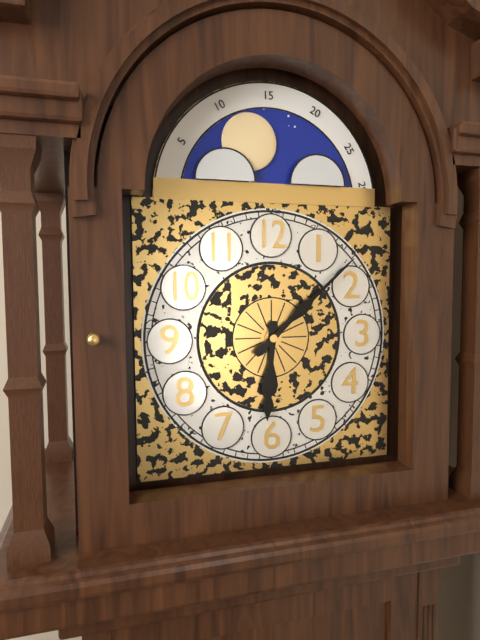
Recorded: {"hour": 6, "minute": 8}
